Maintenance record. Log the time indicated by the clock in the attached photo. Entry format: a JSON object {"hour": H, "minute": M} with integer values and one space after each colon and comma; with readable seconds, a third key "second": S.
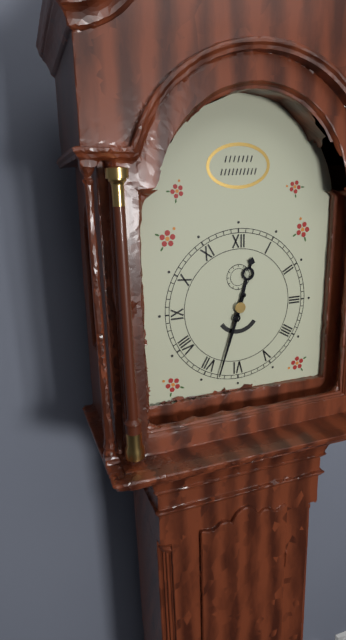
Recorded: {"hour": 12, "minute": 33}
